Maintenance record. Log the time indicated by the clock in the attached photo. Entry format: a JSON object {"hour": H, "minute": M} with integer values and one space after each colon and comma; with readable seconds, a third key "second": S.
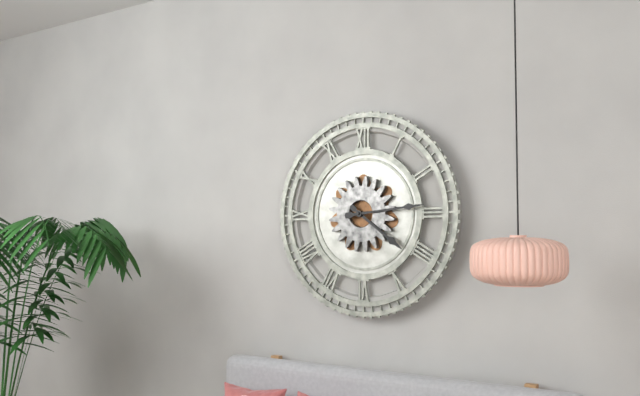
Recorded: {"hour": 4, "minute": 14}
